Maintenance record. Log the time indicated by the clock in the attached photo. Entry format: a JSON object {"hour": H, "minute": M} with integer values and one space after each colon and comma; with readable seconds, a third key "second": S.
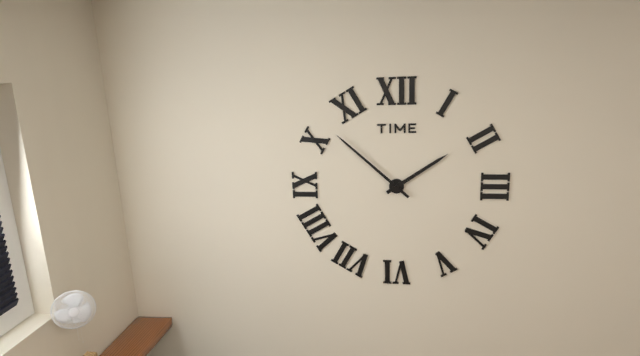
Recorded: {"hour": 1, "minute": 52}
